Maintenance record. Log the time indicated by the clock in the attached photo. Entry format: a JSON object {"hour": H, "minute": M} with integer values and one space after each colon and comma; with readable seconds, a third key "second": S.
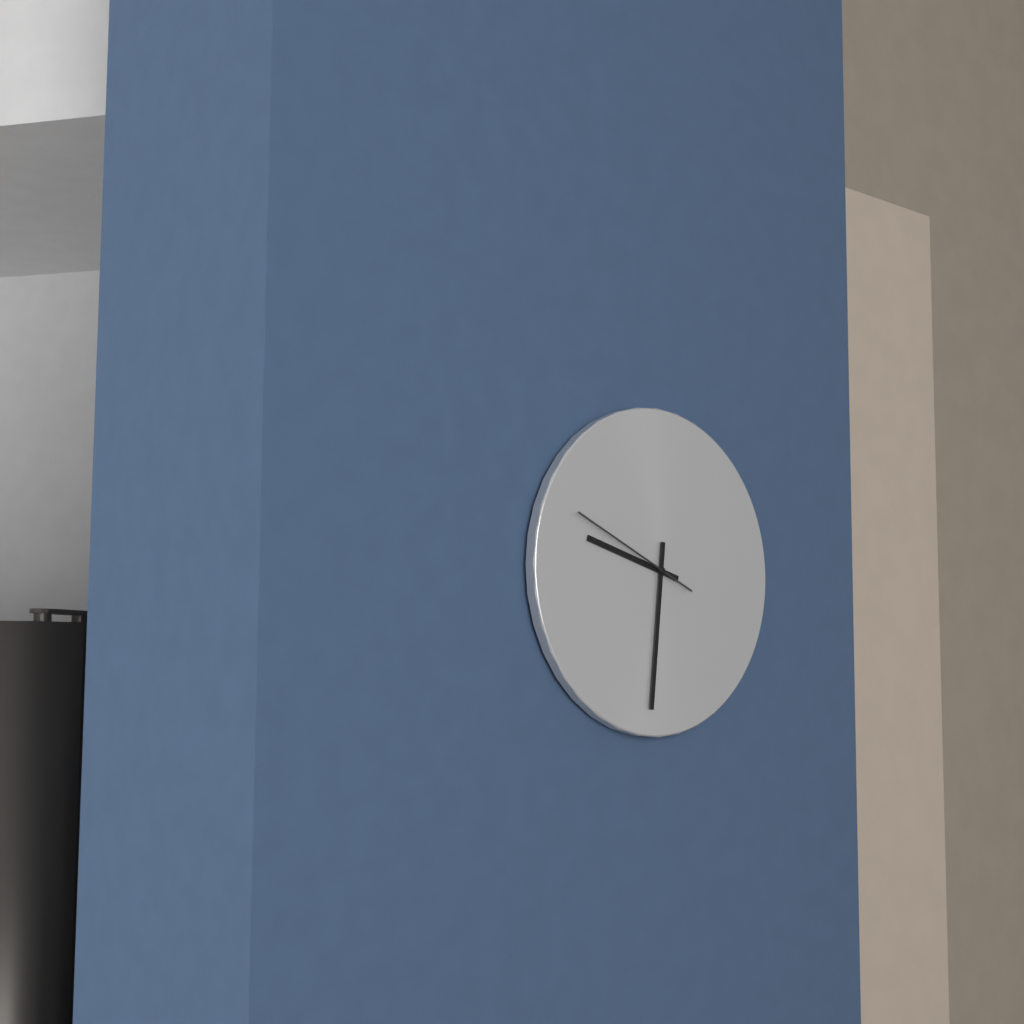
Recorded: {"hour": 9, "minute": 31, "second": 49}
